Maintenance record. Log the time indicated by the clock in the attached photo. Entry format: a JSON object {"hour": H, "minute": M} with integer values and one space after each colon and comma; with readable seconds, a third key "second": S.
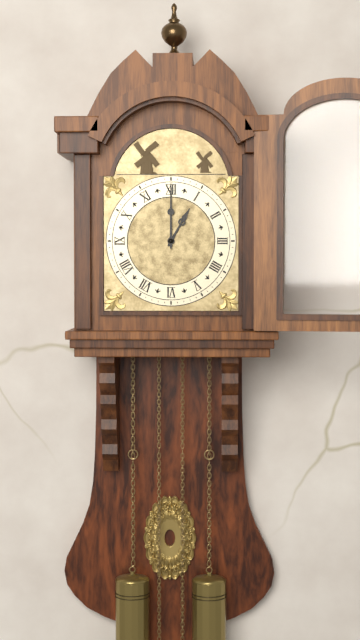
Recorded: {"hour": 1, "minute": 0}
